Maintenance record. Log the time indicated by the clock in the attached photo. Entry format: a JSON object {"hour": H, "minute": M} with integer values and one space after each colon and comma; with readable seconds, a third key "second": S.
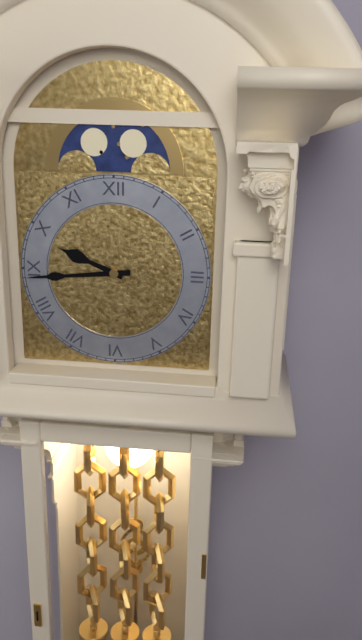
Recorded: {"hour": 9, "minute": 44}
